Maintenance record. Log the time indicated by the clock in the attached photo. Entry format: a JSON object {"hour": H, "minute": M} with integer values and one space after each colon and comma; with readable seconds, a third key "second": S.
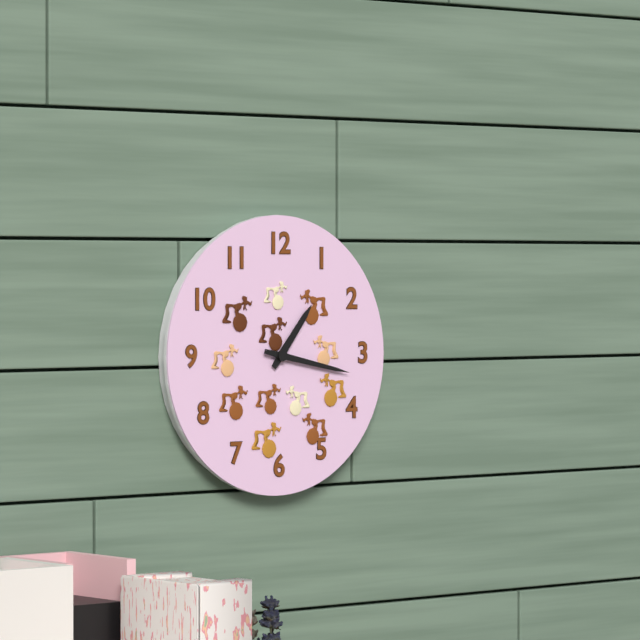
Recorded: {"hour": 1, "minute": 17}
